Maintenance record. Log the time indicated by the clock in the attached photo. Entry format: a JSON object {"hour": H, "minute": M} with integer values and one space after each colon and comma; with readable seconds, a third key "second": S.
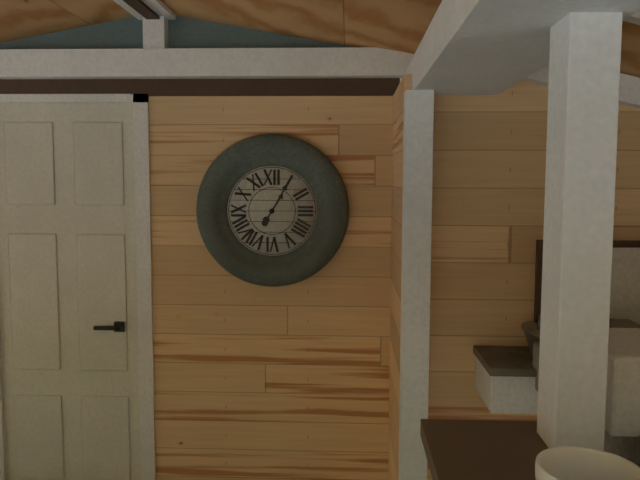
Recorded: {"hour": 1, "minute": 5}
